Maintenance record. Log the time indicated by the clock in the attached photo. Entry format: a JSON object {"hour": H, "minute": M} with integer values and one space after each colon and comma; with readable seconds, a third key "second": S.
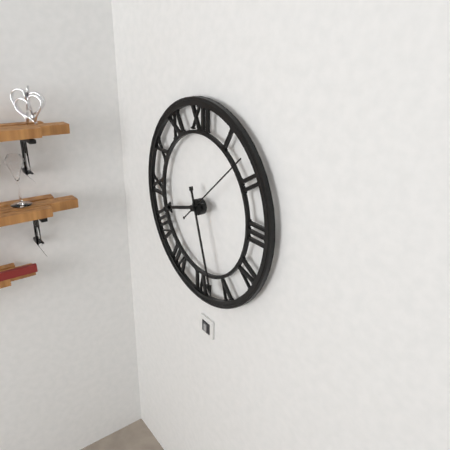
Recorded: {"hour": 8, "minute": 27, "second": 8}
